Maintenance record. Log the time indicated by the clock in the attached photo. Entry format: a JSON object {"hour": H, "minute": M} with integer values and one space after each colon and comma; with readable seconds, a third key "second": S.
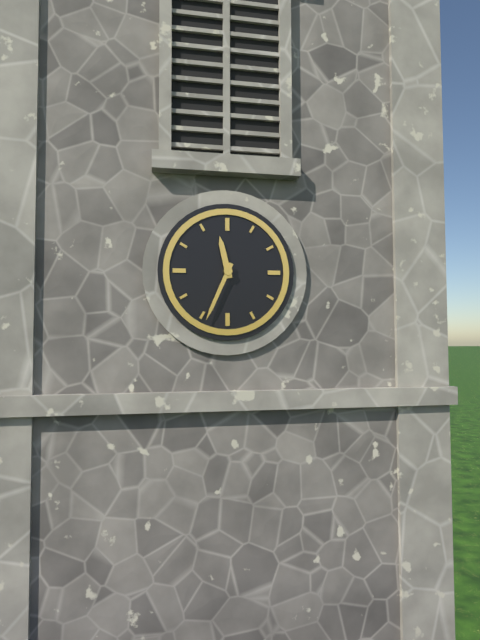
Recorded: {"hour": 11, "minute": 34}
